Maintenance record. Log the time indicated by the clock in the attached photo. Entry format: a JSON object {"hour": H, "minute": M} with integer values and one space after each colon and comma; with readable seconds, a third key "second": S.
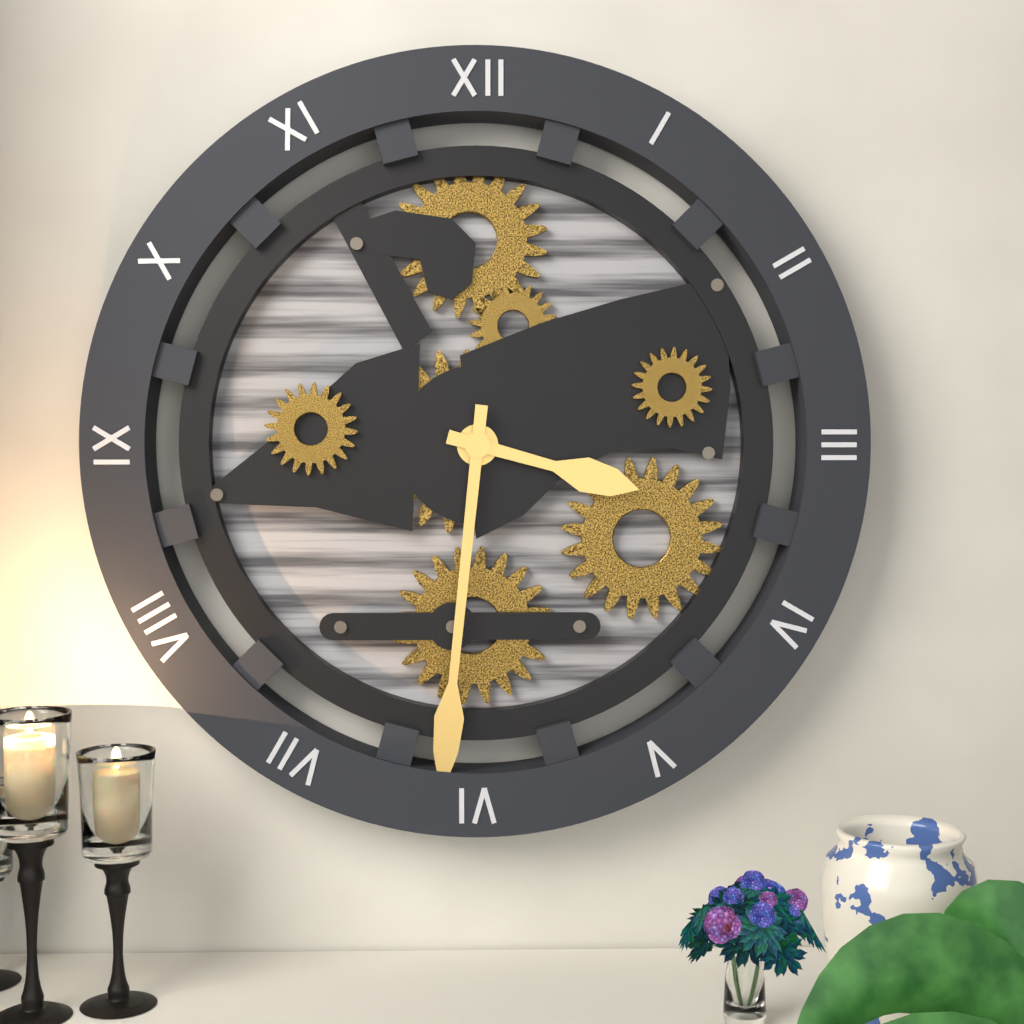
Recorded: {"hour": 3, "minute": 31}
